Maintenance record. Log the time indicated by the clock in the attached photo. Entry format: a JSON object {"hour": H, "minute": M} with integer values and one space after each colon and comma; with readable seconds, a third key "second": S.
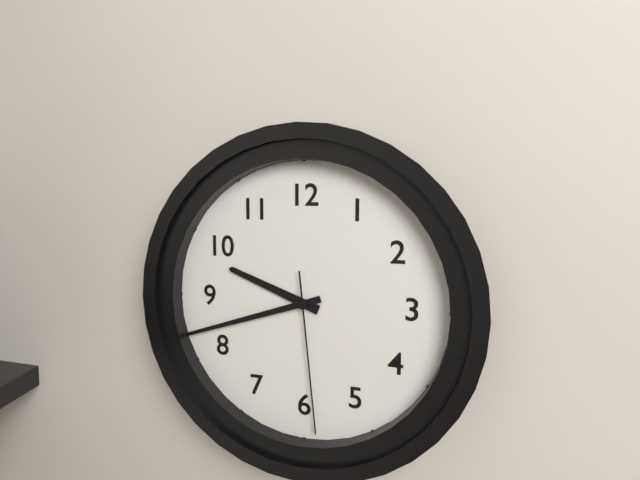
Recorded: {"hour": 9, "minute": 42, "second": 29}
